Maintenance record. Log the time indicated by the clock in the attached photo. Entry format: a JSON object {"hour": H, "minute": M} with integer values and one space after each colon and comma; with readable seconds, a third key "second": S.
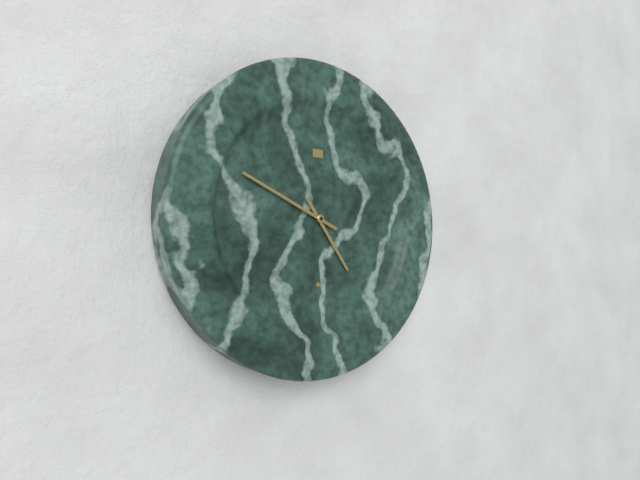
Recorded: {"hour": 4, "minute": 49}
